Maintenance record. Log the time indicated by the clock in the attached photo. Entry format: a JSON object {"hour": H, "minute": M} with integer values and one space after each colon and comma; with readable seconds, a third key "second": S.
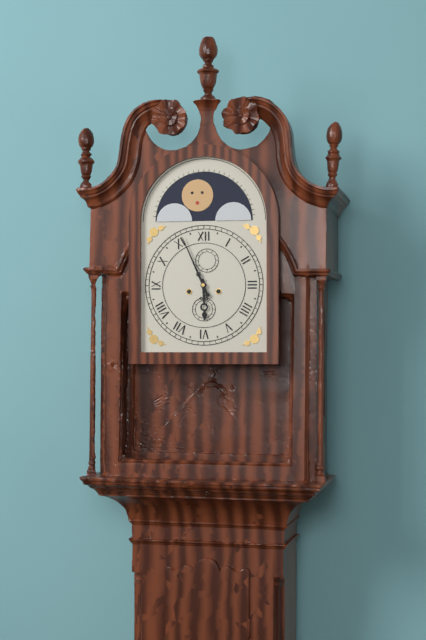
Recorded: {"hour": 5, "minute": 56}
